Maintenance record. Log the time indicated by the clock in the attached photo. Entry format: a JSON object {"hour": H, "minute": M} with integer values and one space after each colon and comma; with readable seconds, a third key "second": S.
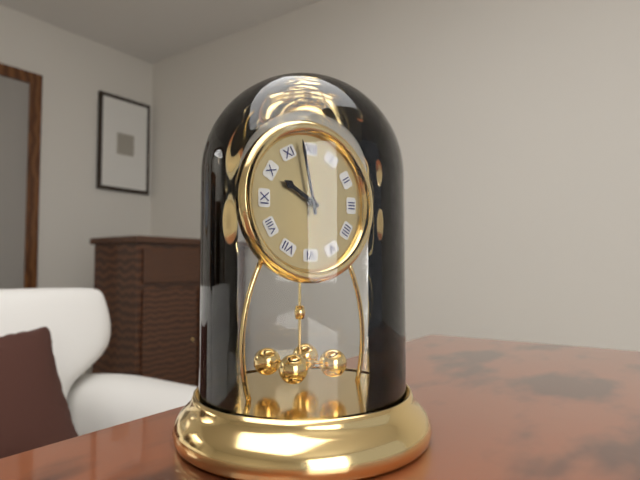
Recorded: {"hour": 9, "minute": 58}
